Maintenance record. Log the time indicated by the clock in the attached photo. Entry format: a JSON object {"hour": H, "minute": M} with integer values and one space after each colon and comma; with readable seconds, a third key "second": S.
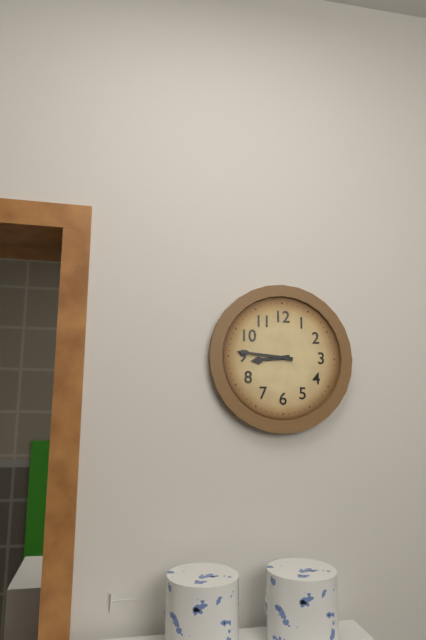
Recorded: {"hour": 8, "minute": 46}
